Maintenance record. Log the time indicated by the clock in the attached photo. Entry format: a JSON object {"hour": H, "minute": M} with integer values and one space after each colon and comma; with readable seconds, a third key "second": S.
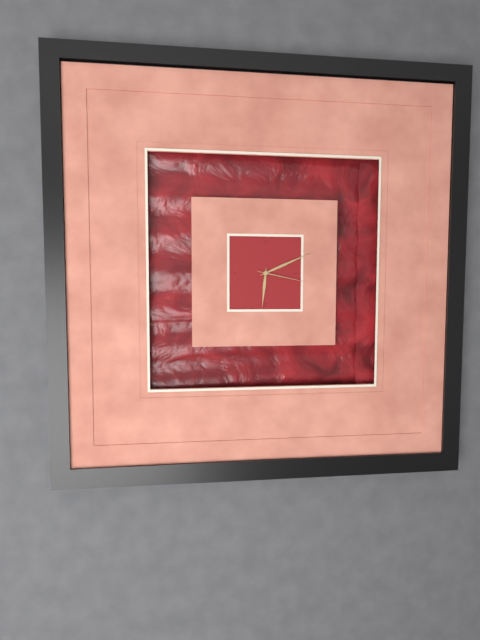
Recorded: {"hour": 6, "minute": 11, "second": 17}
